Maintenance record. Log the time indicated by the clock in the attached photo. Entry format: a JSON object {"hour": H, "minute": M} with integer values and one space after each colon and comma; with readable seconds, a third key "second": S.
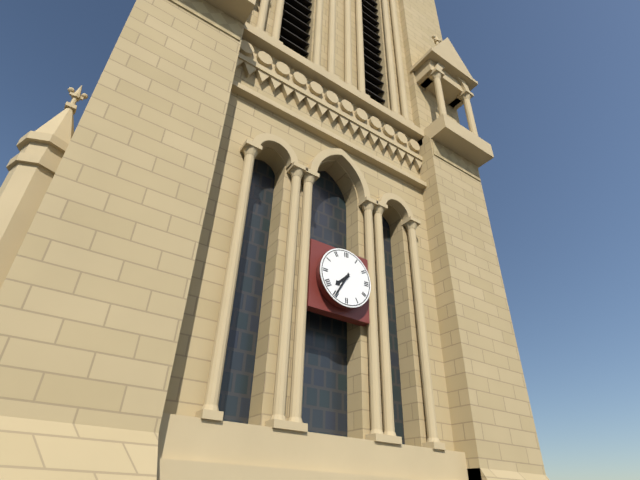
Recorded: {"hour": 7, "minute": 35}
